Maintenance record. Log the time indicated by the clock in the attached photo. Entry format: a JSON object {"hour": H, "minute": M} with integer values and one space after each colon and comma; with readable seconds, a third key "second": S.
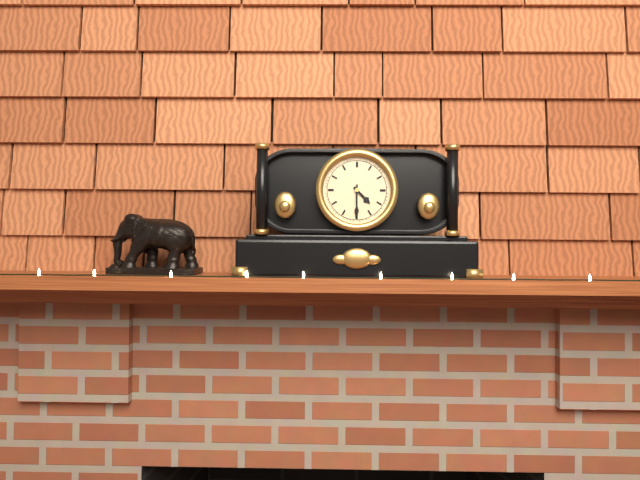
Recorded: {"hour": 4, "minute": 30}
